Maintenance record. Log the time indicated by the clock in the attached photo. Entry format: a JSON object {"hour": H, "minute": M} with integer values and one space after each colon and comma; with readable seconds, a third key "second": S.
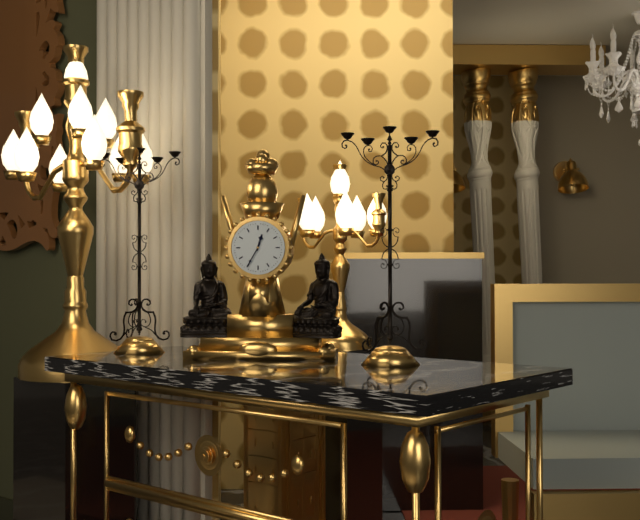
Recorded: {"hour": 12, "minute": 35}
